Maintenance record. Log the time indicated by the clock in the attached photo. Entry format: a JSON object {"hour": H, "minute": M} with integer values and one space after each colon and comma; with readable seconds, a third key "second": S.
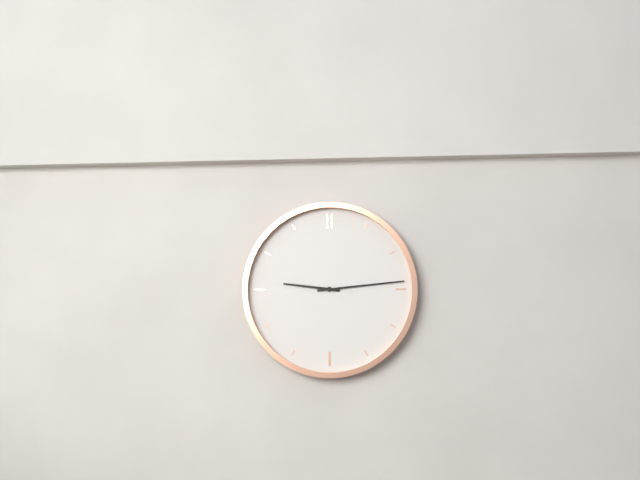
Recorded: {"hour": 9, "minute": 14}
